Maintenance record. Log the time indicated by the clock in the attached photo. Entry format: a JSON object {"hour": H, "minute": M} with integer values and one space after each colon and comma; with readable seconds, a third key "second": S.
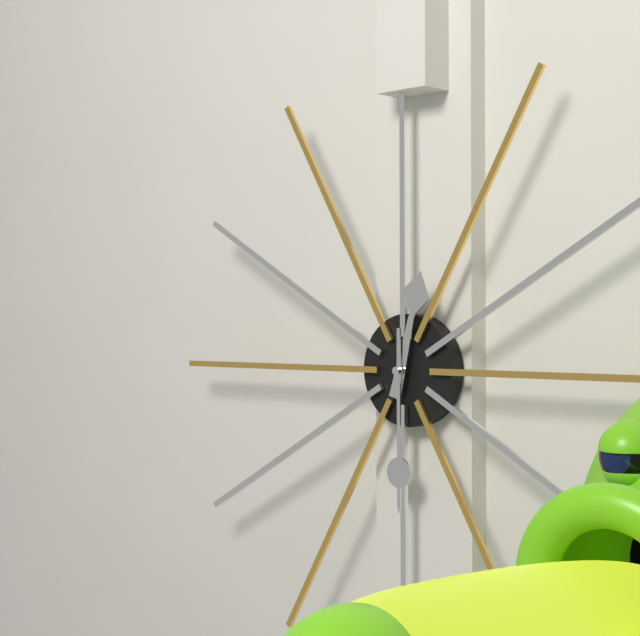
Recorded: {"hour": 12, "minute": 30}
